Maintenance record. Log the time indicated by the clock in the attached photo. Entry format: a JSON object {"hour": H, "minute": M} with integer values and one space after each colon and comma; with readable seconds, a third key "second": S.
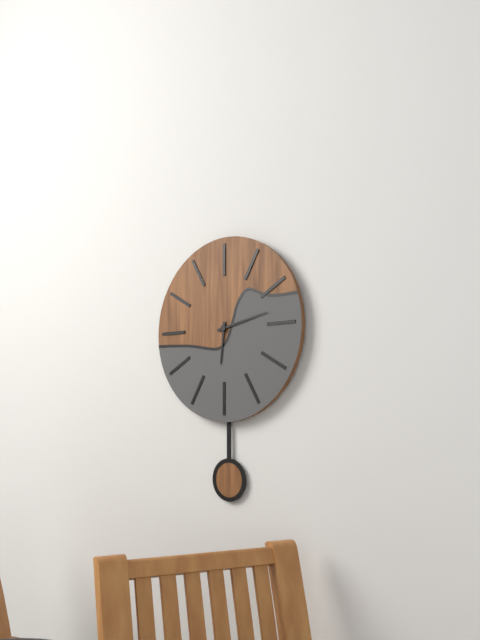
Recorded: {"hour": 6, "minute": 13}
